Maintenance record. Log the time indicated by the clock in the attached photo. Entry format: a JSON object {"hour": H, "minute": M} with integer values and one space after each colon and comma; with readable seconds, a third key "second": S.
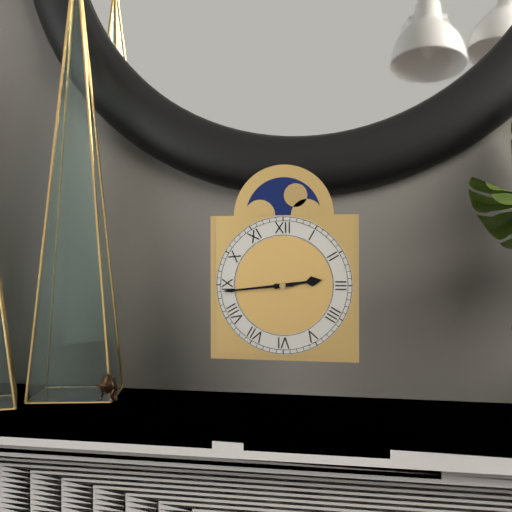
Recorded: {"hour": 2, "minute": 44}
